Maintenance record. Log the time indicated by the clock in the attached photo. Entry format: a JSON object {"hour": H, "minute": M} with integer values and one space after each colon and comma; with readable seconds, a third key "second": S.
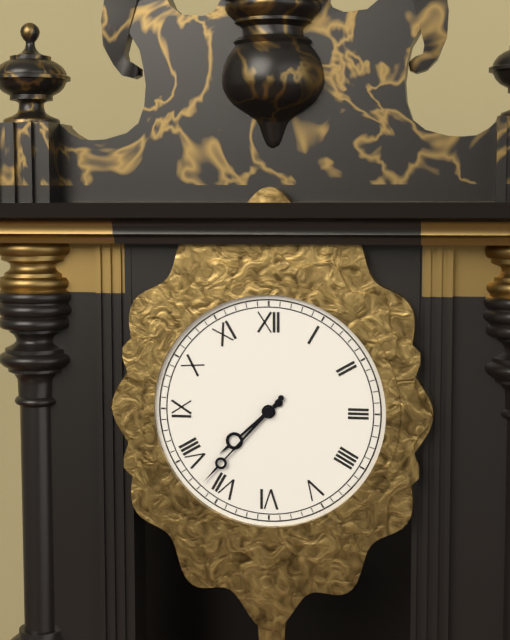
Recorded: {"hour": 7, "minute": 37}
